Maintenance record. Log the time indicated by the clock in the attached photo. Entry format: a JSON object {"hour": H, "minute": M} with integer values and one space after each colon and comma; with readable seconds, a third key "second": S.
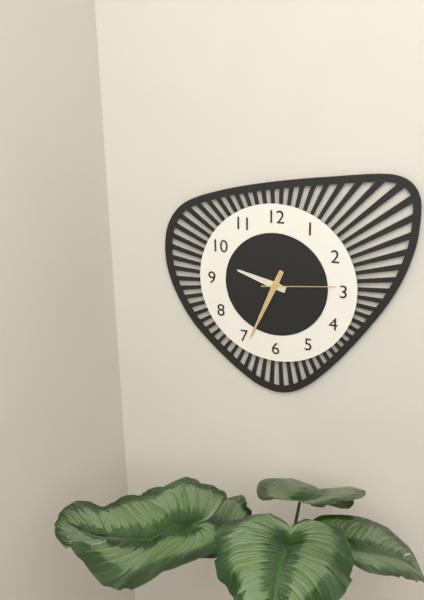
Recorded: {"hour": 9, "minute": 34, "second": 14}
